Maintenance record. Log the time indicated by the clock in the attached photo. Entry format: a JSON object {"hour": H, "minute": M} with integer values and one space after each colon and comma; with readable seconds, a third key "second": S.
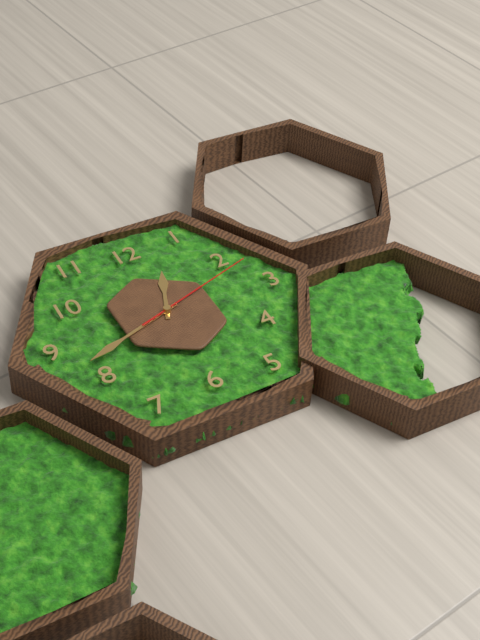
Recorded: {"hour": 12, "minute": 42, "second": 12}
